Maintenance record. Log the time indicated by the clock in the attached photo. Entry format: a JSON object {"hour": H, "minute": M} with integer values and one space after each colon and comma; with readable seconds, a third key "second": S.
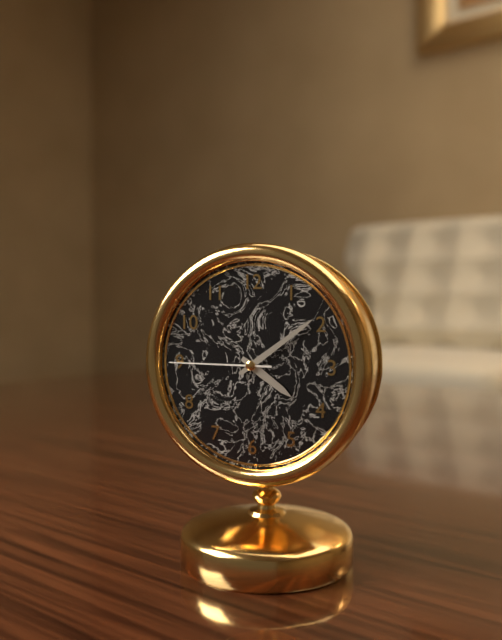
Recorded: {"hour": 4, "minute": 9, "second": 45}
